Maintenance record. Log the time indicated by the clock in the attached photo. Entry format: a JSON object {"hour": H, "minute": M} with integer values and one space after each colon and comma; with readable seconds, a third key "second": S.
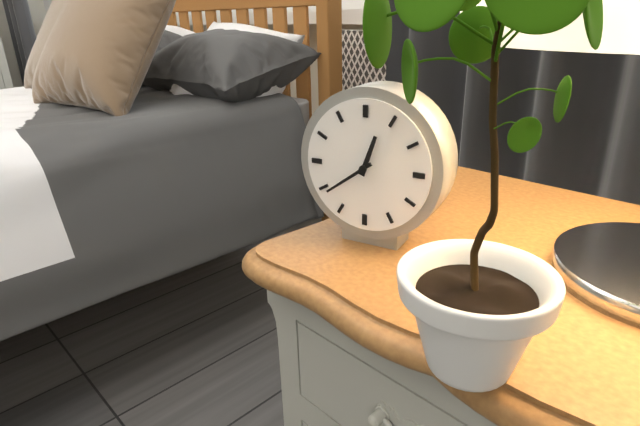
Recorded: {"hour": 12, "minute": 39}
